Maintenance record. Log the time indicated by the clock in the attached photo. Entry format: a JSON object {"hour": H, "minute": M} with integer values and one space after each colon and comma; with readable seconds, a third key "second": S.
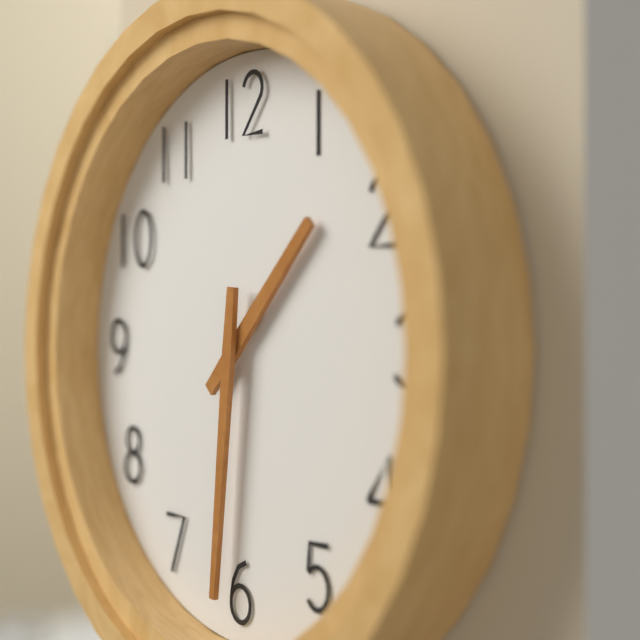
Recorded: {"hour": 1, "minute": 31}
